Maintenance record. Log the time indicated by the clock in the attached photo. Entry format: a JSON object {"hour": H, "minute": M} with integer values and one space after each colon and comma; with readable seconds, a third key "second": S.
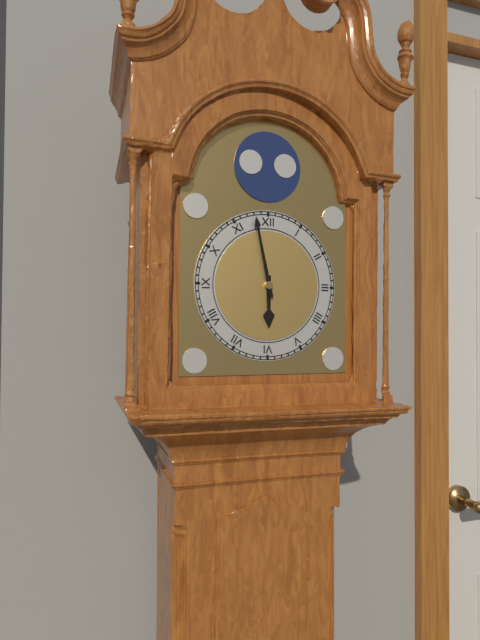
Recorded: {"hour": 5, "minute": 58}
